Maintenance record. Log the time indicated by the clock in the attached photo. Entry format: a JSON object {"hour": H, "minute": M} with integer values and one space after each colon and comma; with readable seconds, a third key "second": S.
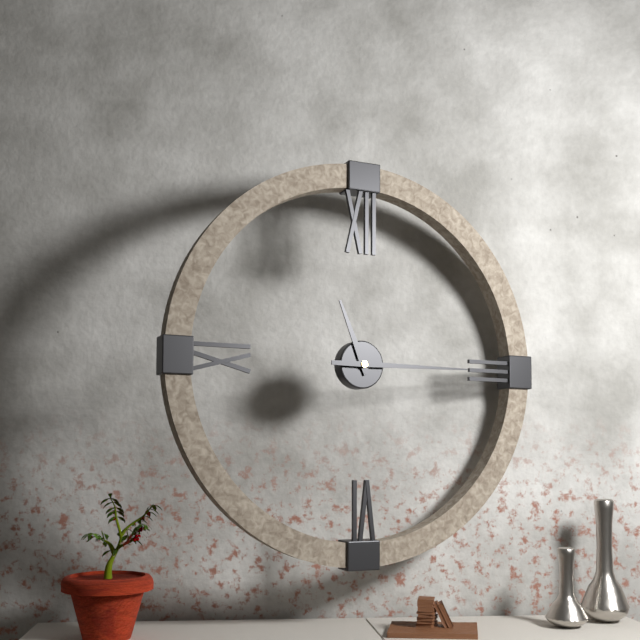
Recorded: {"hour": 11, "minute": 15}
